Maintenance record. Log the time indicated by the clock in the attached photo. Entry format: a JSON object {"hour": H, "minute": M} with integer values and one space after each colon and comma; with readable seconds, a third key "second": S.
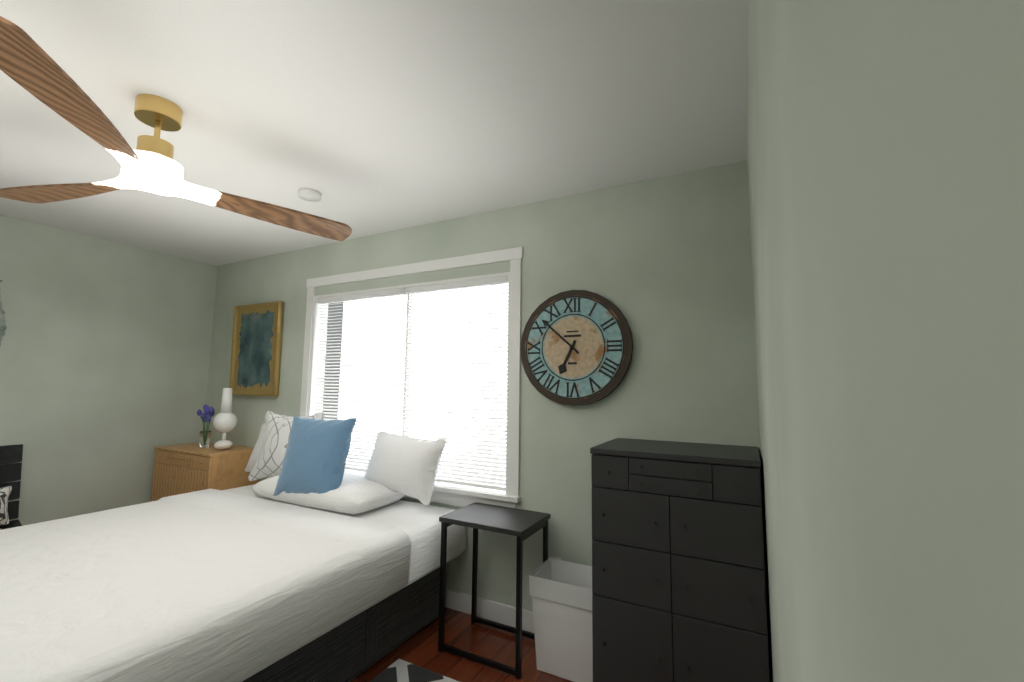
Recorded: {"hour": 6, "minute": 52}
